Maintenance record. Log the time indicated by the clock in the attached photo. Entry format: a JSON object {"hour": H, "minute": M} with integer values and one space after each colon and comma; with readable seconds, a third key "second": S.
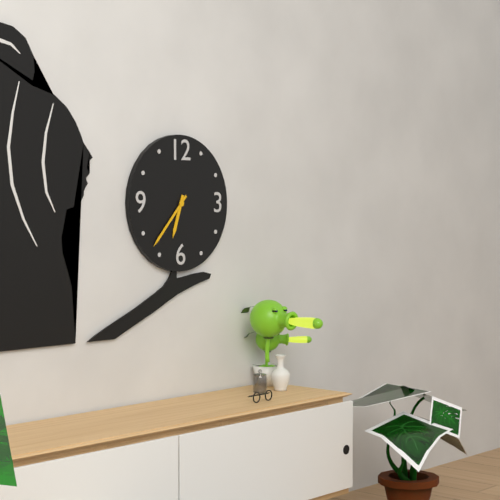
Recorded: {"hour": 6, "minute": 37}
